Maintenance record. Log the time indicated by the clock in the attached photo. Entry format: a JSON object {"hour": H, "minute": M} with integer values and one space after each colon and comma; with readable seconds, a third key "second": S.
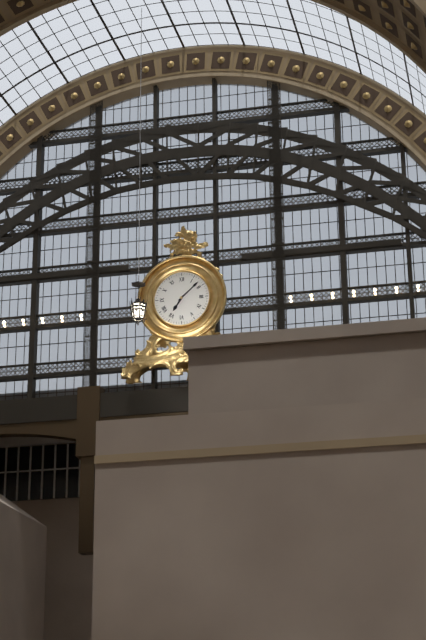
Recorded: {"hour": 7, "minute": 8}
